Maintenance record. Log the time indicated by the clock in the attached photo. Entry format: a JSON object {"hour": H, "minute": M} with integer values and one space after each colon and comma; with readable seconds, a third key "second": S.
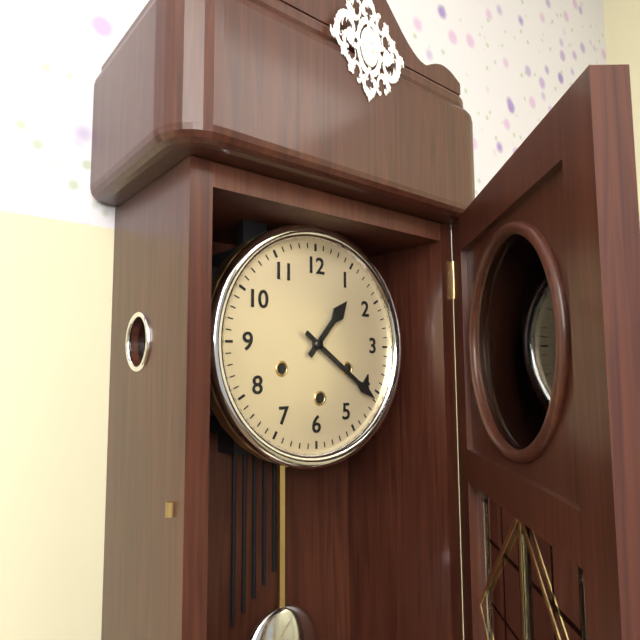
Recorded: {"hour": 1, "minute": 21}
